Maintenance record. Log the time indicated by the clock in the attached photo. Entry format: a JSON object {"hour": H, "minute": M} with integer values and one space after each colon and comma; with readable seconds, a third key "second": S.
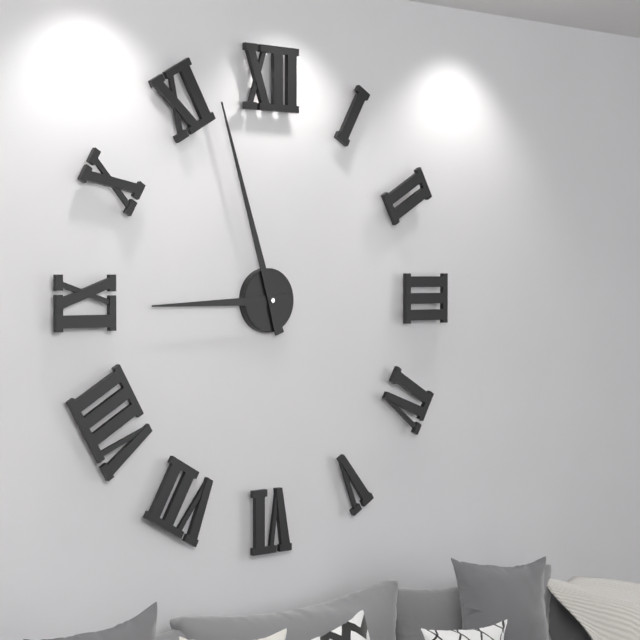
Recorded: {"hour": 8, "minute": 57}
